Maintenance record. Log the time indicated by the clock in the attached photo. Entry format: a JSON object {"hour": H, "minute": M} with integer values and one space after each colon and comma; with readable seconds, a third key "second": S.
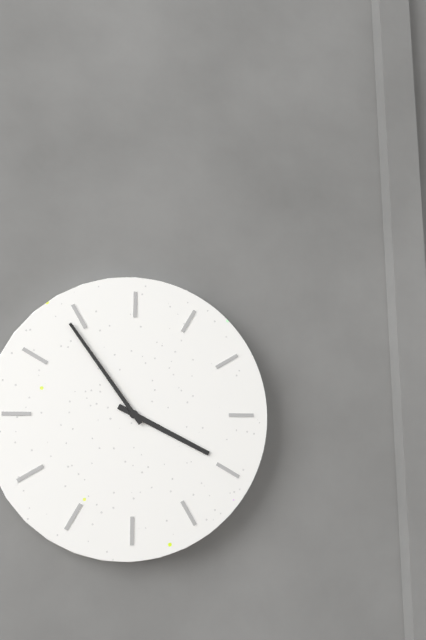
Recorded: {"hour": 3, "minute": 54}
